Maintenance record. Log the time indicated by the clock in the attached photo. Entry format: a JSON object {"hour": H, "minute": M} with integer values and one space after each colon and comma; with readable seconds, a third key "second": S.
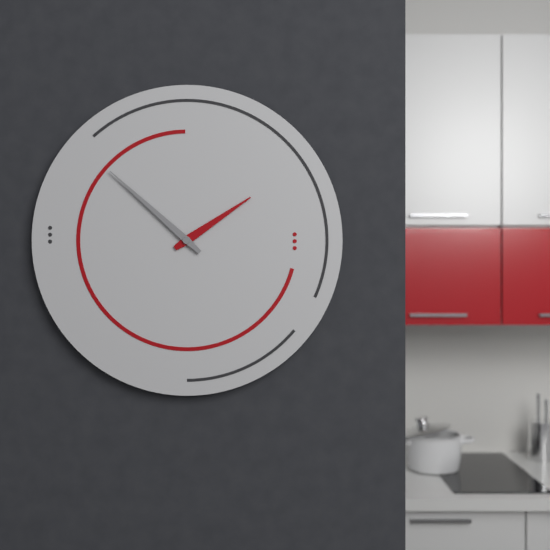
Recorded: {"hour": 1, "minute": 52}
